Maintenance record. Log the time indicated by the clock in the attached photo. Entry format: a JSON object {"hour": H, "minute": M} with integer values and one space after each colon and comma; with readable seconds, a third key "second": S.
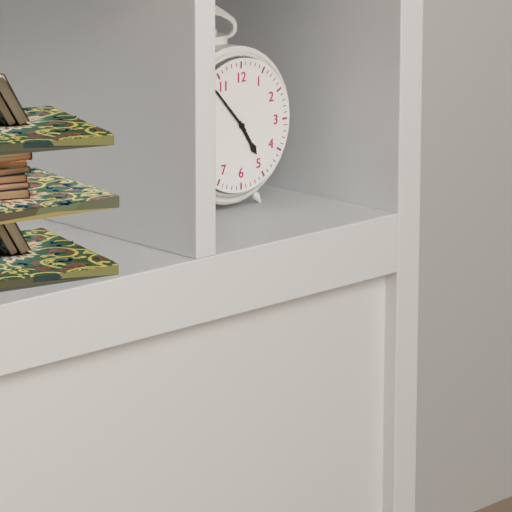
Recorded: {"hour": 4, "minute": 53}
